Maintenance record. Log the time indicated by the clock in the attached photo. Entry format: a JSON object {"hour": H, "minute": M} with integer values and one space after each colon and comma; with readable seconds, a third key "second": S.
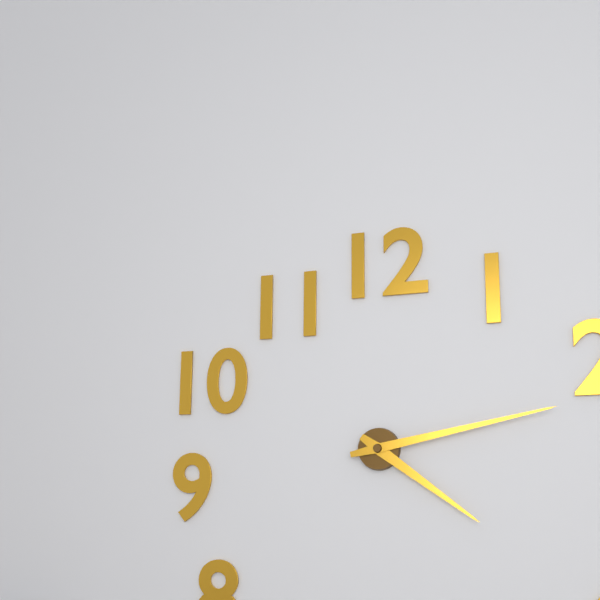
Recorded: {"hour": 4, "minute": 13}
